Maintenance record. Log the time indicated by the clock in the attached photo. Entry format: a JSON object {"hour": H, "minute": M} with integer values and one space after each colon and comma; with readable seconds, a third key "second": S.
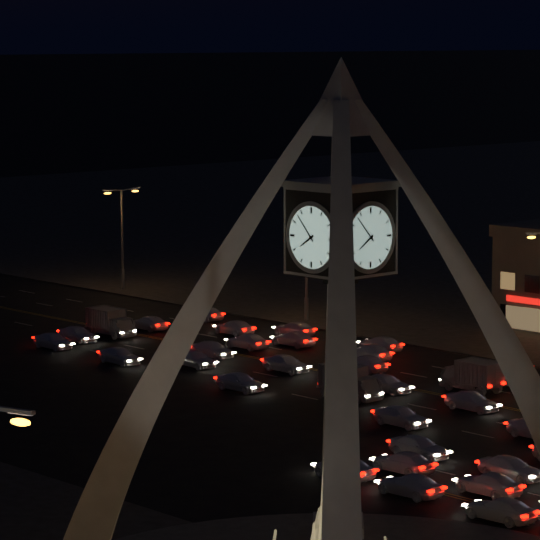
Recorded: {"hour": 7, "minute": 53}
